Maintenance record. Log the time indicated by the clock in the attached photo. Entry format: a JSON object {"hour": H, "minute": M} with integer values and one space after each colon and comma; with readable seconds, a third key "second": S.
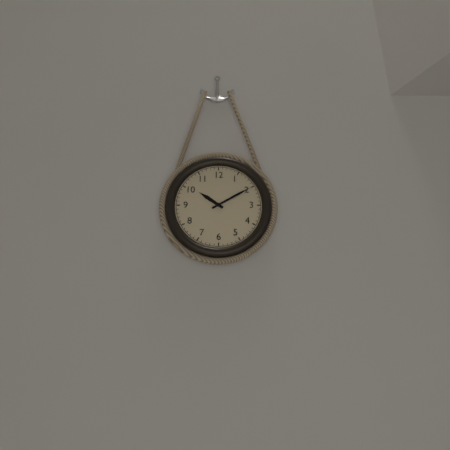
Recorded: {"hour": 10, "minute": 10}
